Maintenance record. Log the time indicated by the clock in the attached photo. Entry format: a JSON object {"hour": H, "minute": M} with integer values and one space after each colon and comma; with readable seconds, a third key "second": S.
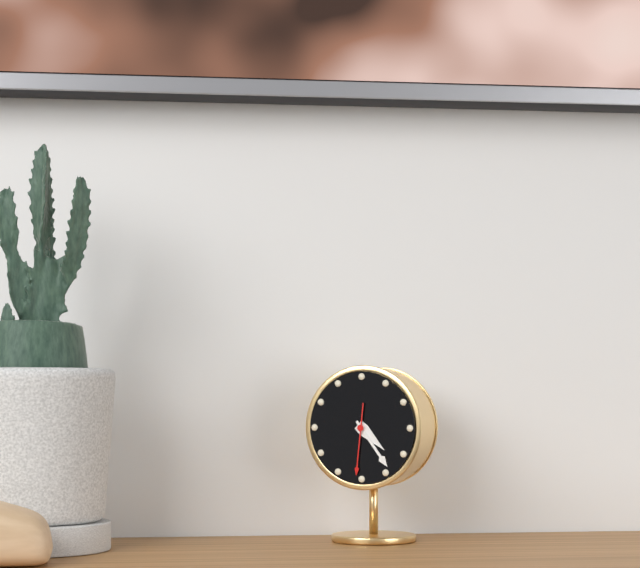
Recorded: {"hour": 4, "minute": 24, "second": 31}
